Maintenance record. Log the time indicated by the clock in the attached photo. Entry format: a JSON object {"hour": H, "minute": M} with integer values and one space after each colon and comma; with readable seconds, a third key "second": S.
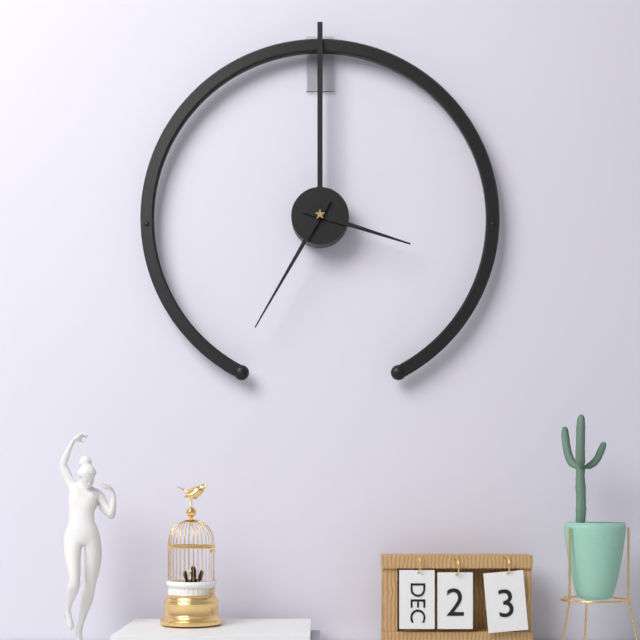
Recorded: {"hour": 3, "minute": 35}
